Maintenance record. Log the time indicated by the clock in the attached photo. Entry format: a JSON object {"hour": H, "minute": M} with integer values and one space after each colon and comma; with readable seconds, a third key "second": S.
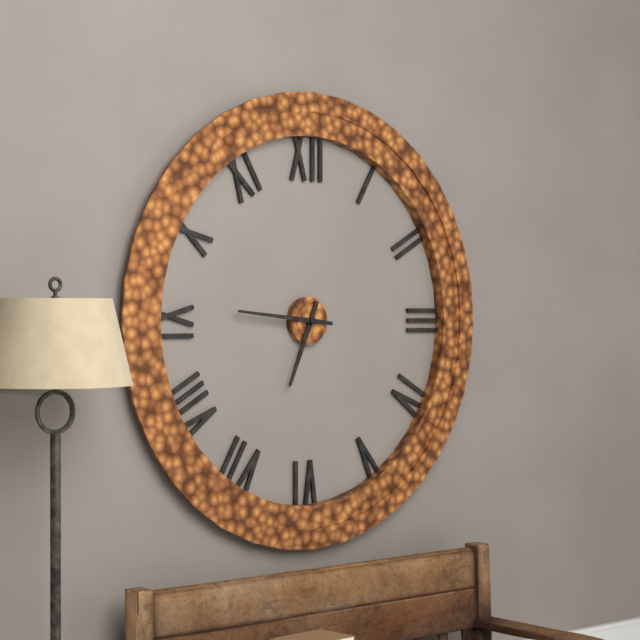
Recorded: {"hour": 6, "minute": 46}
